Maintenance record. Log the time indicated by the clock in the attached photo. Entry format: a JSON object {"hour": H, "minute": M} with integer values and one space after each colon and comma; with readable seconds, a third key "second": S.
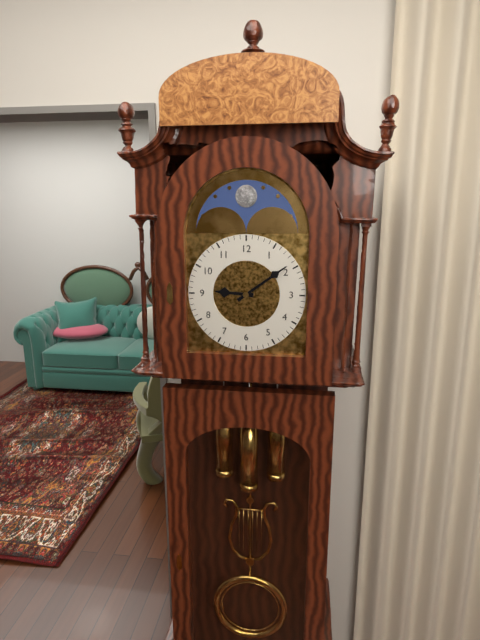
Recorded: {"hour": 9, "minute": 9}
